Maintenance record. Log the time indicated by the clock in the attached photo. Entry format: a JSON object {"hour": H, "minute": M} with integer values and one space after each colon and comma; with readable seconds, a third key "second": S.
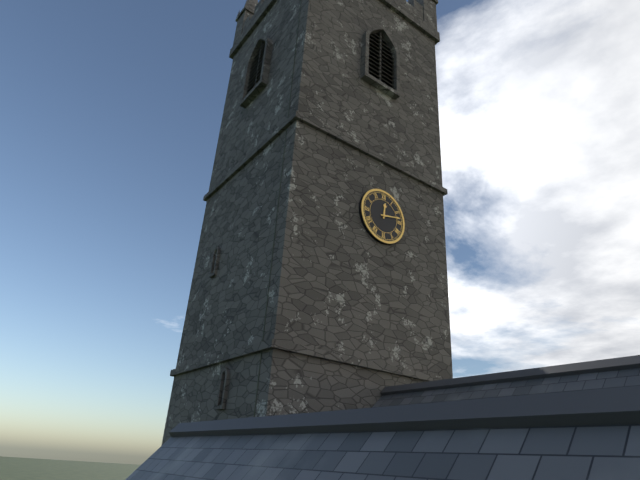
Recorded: {"hour": 12, "minute": 13}
